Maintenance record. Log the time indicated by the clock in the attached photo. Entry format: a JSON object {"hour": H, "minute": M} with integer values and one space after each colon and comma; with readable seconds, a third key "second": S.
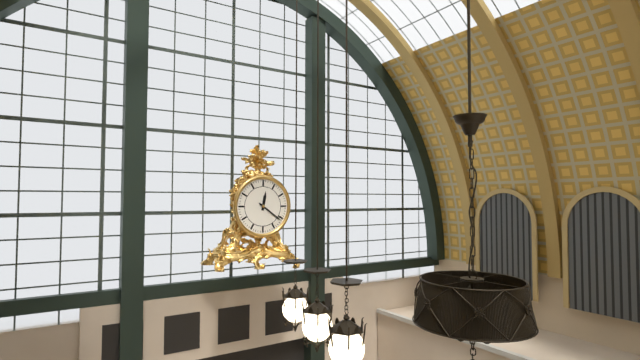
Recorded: {"hour": 12, "minute": 21}
